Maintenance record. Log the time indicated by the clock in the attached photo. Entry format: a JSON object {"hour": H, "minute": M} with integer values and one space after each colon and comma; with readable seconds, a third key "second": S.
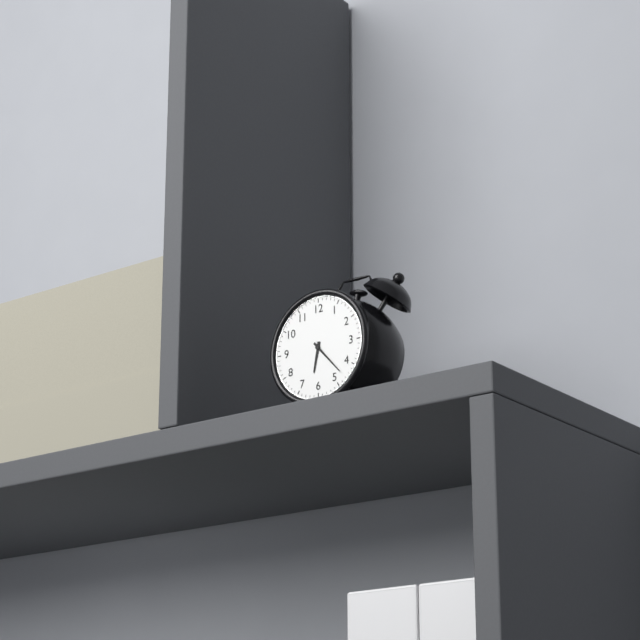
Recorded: {"hour": 6, "minute": 23}
